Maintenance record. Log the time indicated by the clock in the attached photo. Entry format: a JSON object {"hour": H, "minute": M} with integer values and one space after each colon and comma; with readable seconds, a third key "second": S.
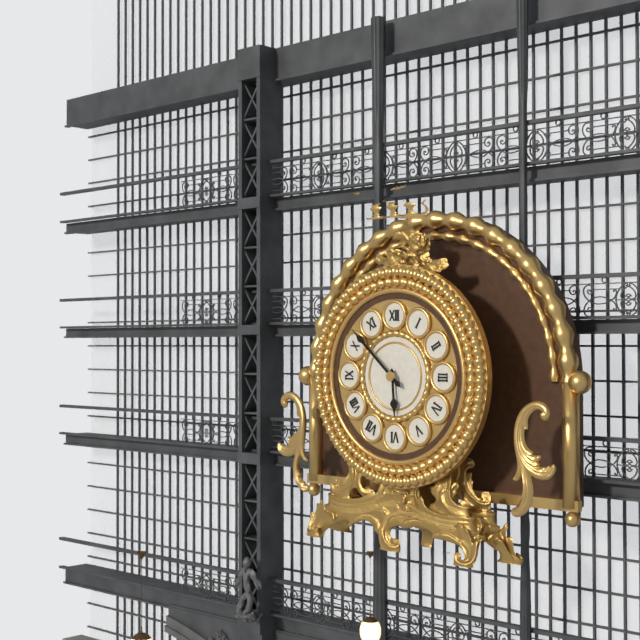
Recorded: {"hour": 5, "minute": 52}
